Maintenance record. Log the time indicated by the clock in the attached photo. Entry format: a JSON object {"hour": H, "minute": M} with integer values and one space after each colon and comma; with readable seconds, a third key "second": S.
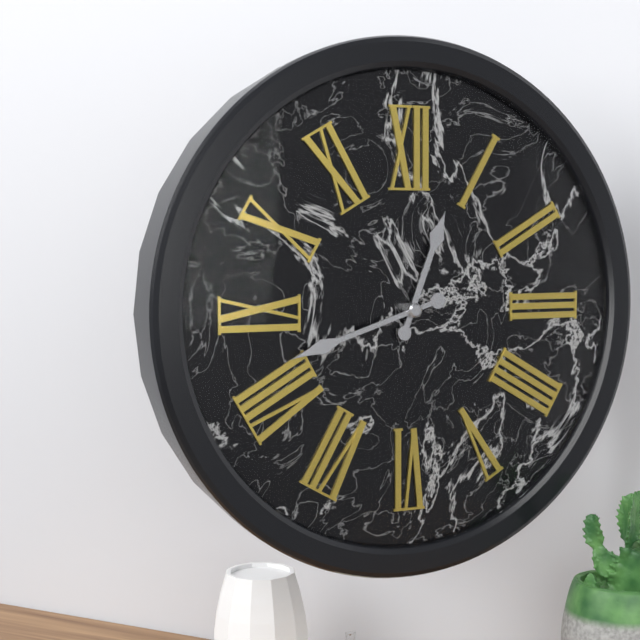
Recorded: {"hour": 12, "minute": 42}
